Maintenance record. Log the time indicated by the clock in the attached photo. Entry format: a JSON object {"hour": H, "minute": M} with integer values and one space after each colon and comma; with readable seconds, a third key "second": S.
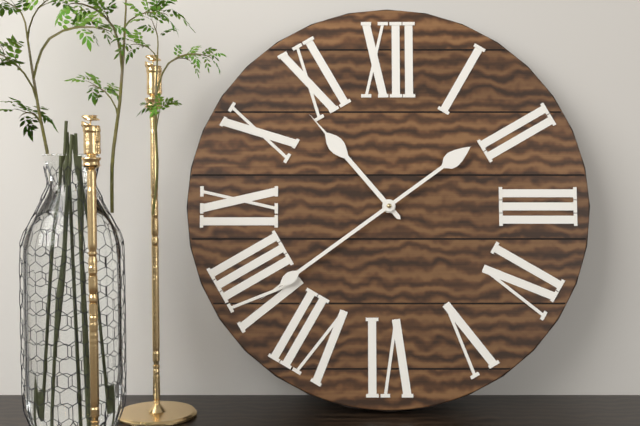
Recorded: {"hour": 10, "minute": 39}
